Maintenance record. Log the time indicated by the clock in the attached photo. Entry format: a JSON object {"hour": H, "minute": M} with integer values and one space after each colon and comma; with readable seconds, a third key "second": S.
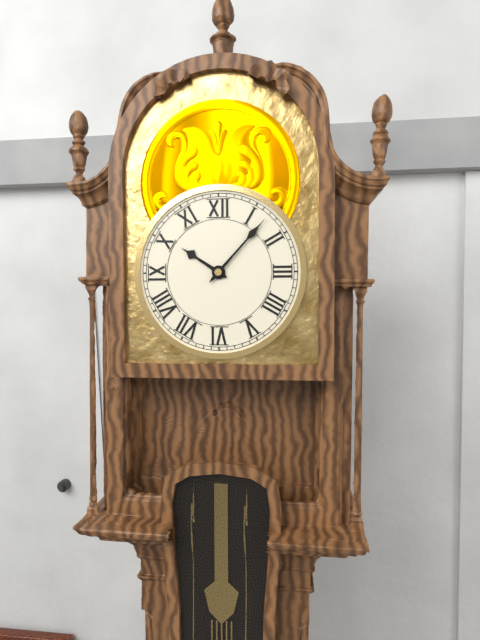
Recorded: {"hour": 10, "minute": 7}
